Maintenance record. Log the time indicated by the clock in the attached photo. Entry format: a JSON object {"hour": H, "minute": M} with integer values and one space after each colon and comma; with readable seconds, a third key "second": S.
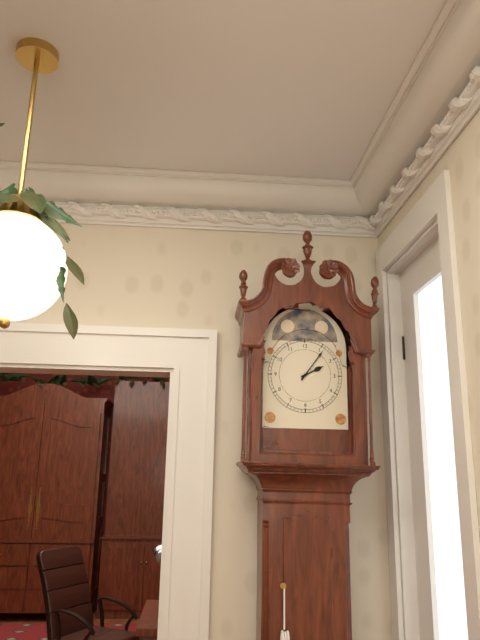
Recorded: {"hour": 2, "minute": 6}
